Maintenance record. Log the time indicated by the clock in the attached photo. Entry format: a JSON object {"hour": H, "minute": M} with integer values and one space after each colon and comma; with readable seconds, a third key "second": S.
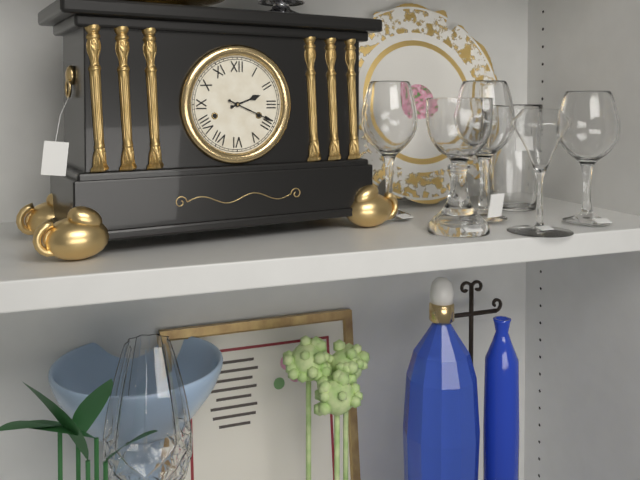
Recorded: {"hour": 2, "minute": 19}
